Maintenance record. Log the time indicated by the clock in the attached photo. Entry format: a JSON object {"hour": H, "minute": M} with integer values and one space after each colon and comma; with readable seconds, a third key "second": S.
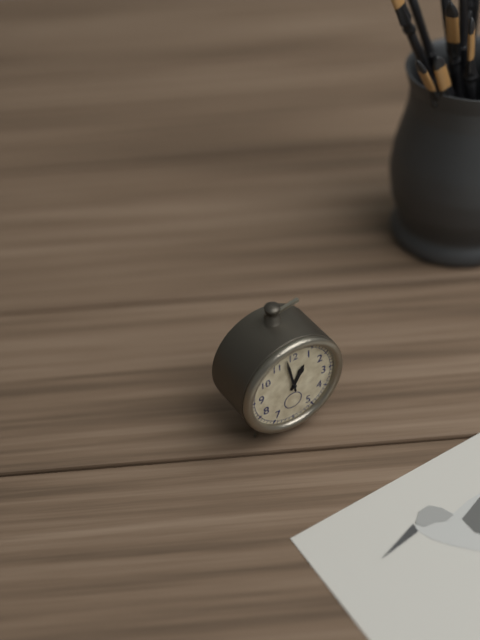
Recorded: {"hour": 12, "minute": 58}
